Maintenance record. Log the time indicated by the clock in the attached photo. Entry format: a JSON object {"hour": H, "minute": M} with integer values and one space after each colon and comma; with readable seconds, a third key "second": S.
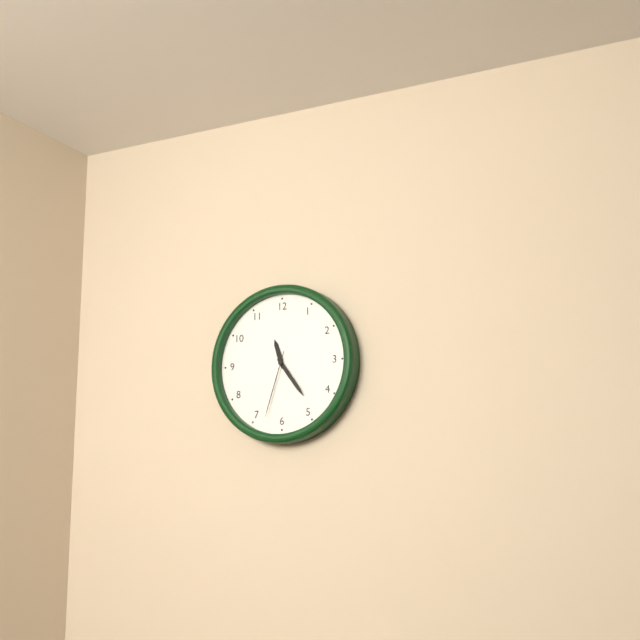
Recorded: {"hour": 11, "minute": 24, "second": 33}
